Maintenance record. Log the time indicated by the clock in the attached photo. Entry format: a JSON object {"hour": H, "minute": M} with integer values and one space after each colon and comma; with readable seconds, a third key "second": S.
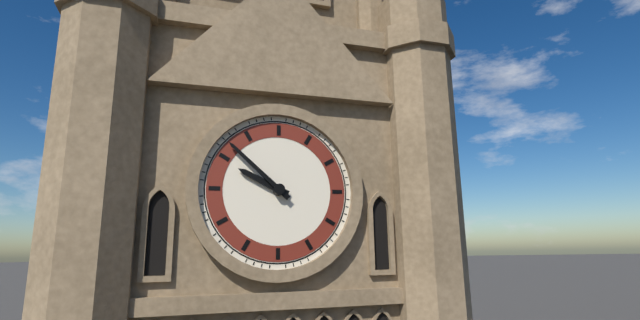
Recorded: {"hour": 9, "minute": 52}
